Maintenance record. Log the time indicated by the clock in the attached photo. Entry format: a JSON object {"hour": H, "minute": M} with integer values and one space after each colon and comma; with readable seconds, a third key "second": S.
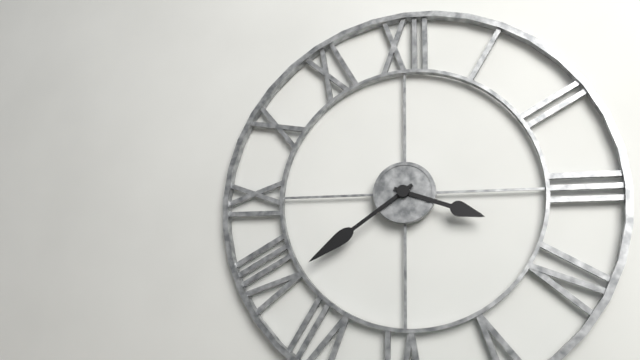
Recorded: {"hour": 3, "minute": 39}
